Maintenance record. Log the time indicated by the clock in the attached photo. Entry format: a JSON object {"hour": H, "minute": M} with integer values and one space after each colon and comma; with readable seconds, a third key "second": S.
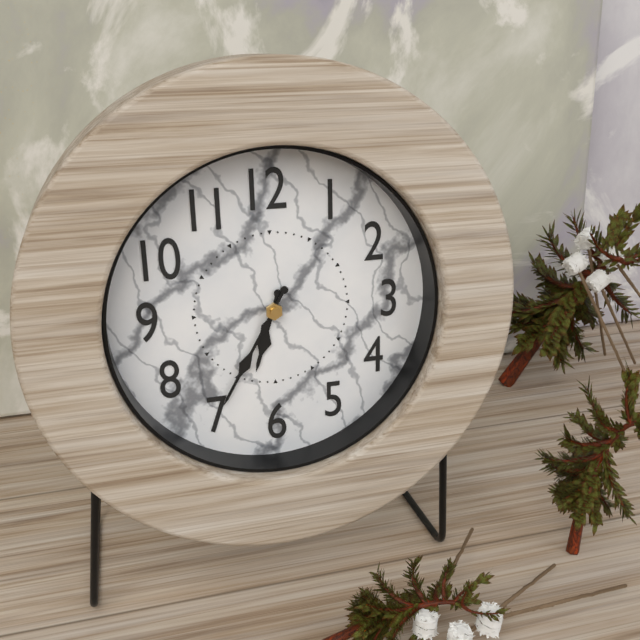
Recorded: {"hour": 6, "minute": 35}
